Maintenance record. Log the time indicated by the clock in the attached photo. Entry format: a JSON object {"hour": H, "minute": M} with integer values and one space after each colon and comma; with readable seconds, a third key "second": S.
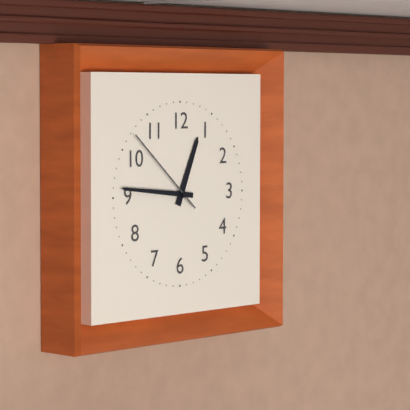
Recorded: {"hour": 12, "minute": 46, "second": 52}
